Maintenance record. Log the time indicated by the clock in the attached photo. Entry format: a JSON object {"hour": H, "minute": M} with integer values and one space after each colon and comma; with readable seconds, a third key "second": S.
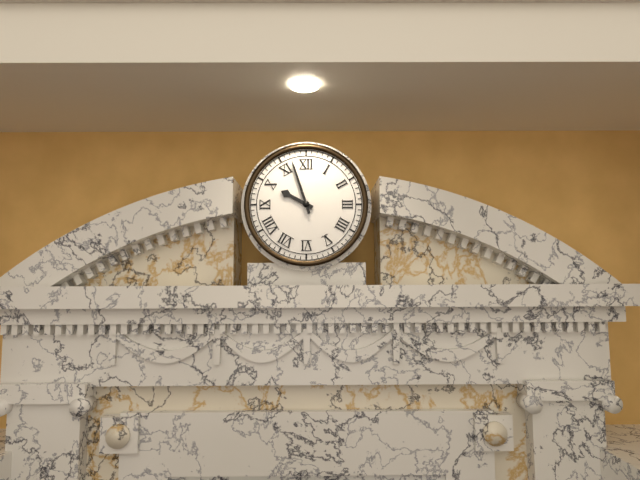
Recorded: {"hour": 9, "minute": 57}
